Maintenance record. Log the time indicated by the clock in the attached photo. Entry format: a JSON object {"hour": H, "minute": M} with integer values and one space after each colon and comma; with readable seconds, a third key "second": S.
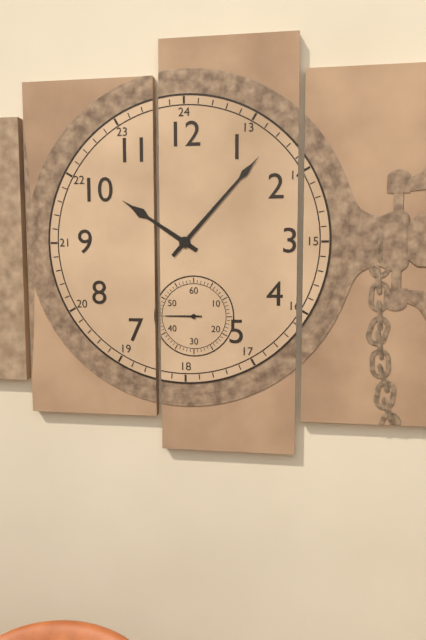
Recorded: {"hour": 10, "minute": 7}
